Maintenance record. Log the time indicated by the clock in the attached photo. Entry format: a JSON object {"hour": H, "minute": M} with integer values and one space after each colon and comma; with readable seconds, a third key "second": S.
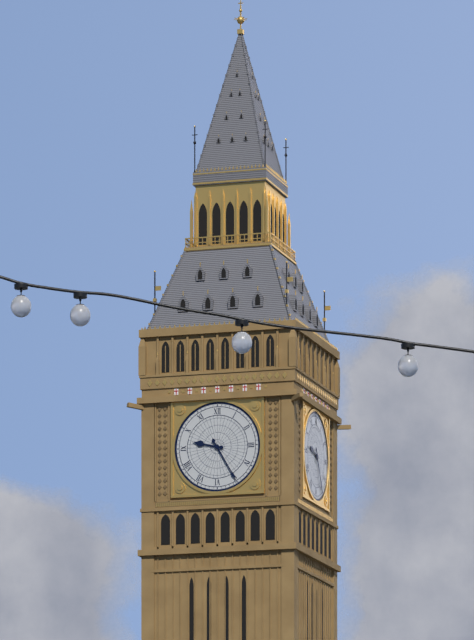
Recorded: {"hour": 9, "minute": 25}
